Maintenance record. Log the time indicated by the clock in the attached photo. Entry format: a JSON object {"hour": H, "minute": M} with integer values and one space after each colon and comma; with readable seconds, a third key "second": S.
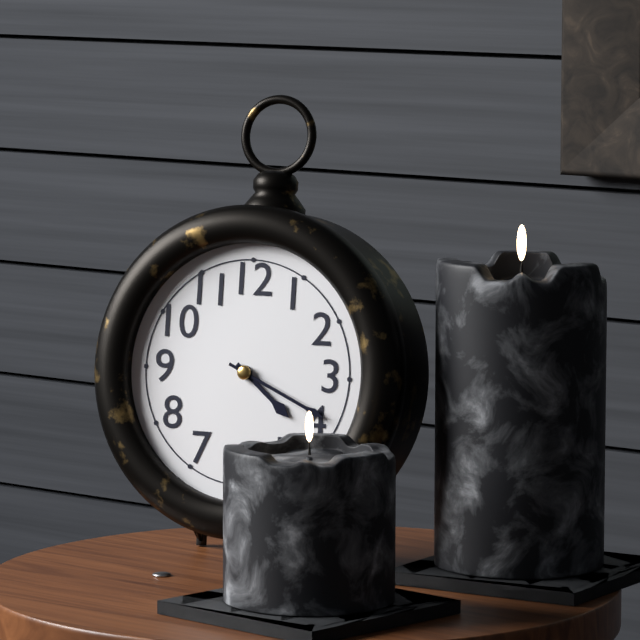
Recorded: {"hour": 4, "minute": 19}
